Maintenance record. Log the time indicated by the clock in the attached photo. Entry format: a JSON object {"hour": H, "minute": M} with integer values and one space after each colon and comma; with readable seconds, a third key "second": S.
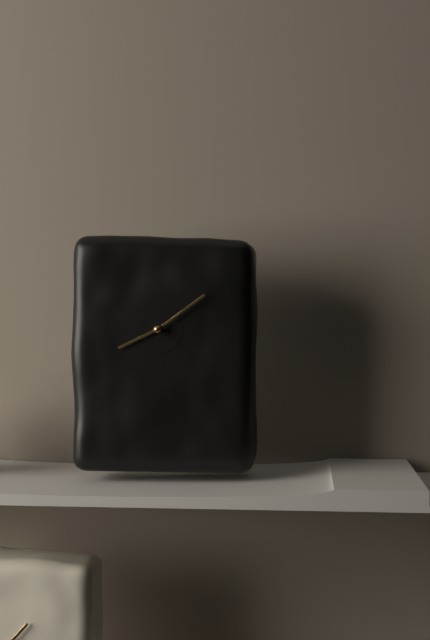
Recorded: {"hour": 8, "minute": 9}
